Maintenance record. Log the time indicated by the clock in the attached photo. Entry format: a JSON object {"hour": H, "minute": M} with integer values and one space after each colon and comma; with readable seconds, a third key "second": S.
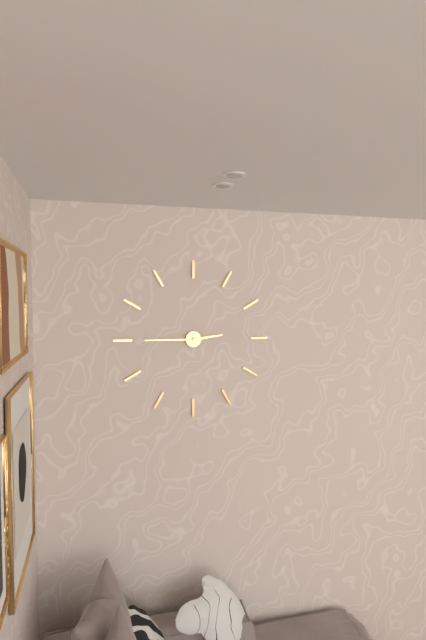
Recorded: {"hour": 2, "minute": 45}
